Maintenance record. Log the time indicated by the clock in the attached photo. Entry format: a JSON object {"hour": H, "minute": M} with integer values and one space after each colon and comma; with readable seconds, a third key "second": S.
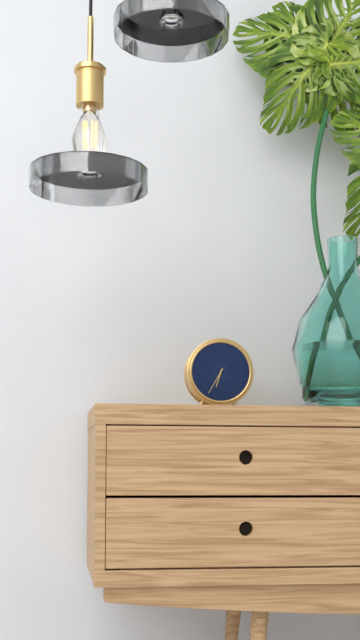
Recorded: {"hour": 6, "minute": 35}
